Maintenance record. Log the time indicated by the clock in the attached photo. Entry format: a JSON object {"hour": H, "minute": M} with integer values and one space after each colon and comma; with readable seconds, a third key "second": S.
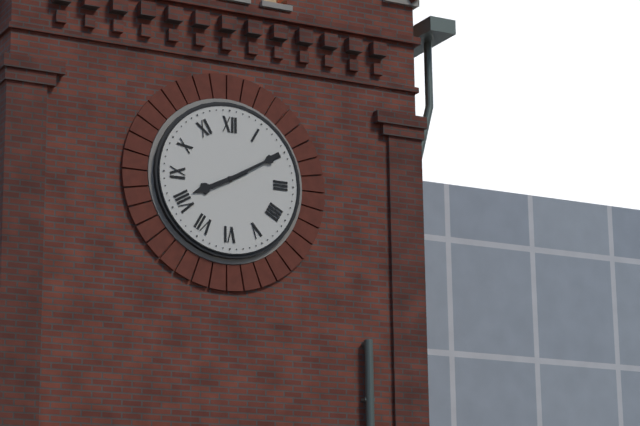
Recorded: {"hour": 8, "minute": 10}
